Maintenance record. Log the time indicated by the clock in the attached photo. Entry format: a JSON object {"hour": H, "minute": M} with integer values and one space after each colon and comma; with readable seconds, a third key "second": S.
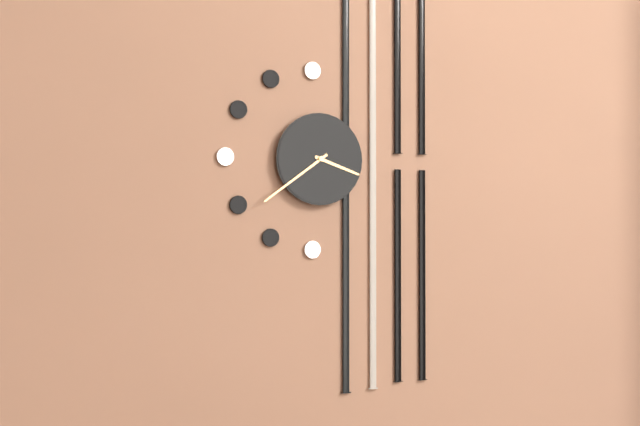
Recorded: {"hour": 3, "minute": 39}
